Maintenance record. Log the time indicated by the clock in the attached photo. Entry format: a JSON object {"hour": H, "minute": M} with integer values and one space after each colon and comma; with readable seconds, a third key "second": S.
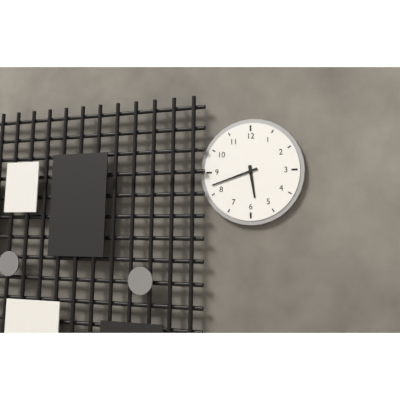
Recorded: {"hour": 5, "minute": 42}
